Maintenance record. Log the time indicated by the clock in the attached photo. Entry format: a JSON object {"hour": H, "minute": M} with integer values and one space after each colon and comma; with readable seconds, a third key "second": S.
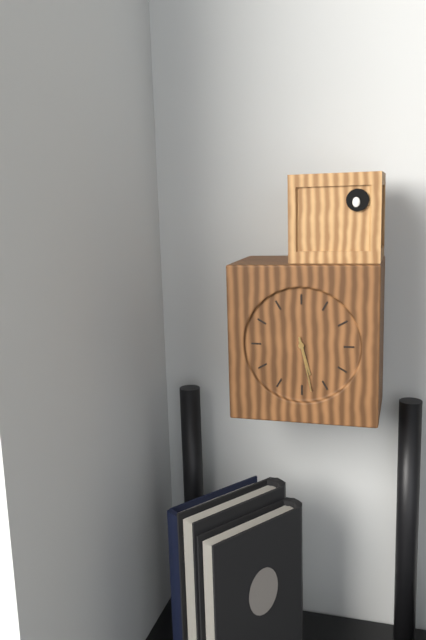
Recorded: {"hour": 5, "minute": 28}
